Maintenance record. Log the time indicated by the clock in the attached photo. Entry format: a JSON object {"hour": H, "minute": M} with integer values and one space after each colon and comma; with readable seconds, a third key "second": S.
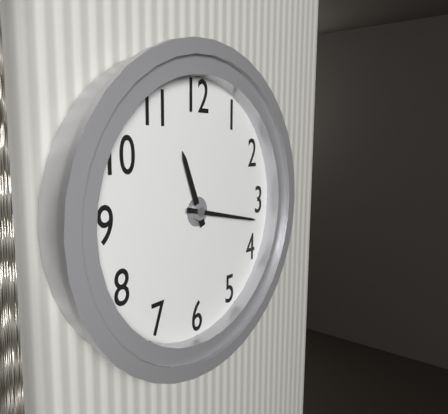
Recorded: {"hour": 11, "minute": 17}
